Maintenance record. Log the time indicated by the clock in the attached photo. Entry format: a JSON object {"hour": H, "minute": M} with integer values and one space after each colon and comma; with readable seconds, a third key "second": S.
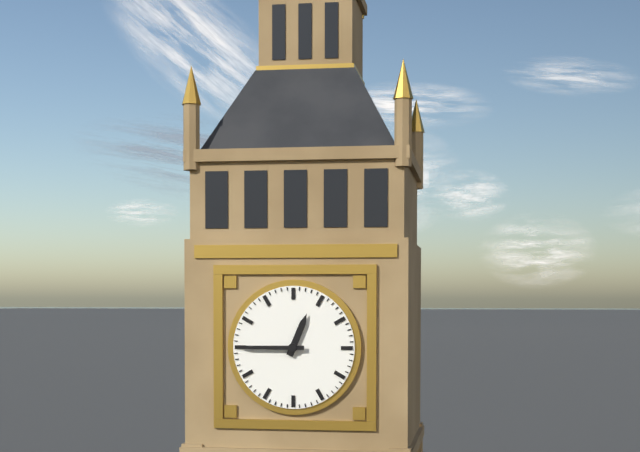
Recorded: {"hour": 12, "minute": 45}
